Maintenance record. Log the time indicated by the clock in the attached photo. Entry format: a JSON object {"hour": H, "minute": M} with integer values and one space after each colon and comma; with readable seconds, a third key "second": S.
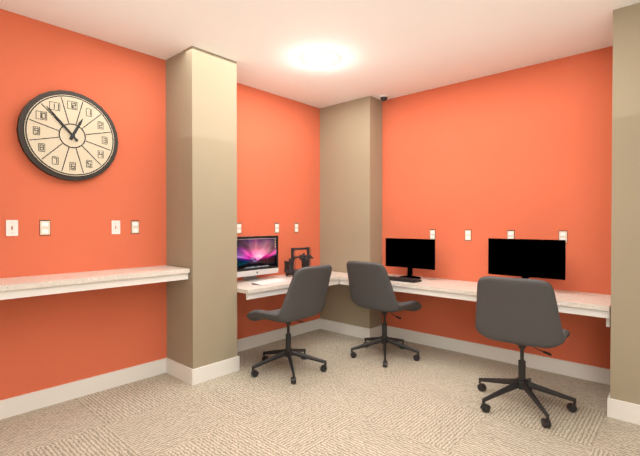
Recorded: {"hour": 12, "minute": 53}
